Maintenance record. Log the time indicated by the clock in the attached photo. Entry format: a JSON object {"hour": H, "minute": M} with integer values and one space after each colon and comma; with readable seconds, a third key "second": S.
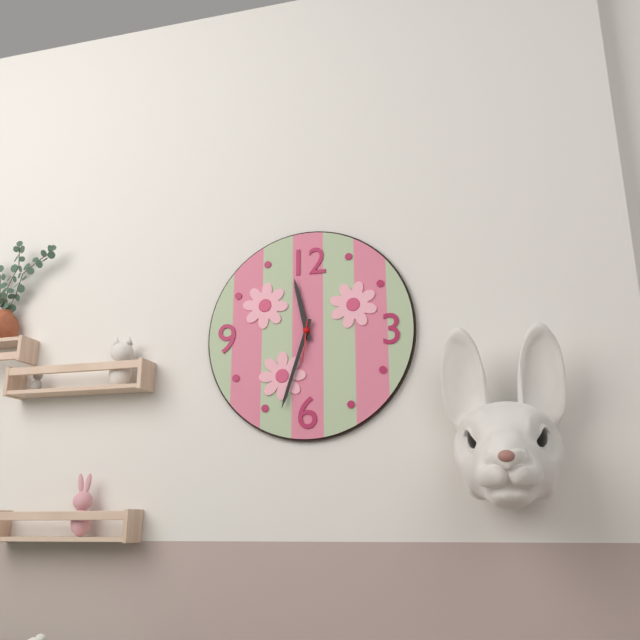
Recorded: {"hour": 11, "minute": 33}
